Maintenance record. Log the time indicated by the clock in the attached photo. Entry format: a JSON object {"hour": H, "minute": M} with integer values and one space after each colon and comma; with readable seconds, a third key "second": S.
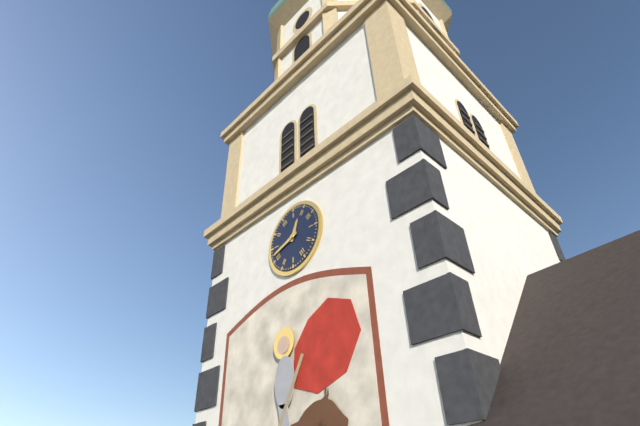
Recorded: {"hour": 12, "minute": 42}
